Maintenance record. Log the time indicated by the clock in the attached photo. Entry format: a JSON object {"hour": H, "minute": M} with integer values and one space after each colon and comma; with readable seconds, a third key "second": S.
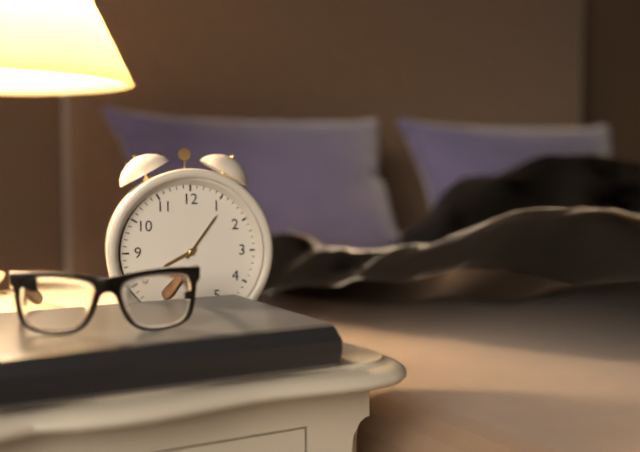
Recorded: {"hour": 8, "minute": 6}
